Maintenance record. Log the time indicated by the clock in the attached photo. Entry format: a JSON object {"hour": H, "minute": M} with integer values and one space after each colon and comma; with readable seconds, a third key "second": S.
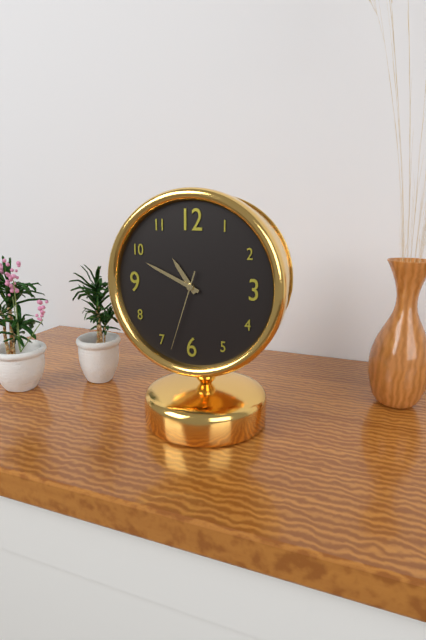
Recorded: {"hour": 10, "minute": 49, "second": 33}
